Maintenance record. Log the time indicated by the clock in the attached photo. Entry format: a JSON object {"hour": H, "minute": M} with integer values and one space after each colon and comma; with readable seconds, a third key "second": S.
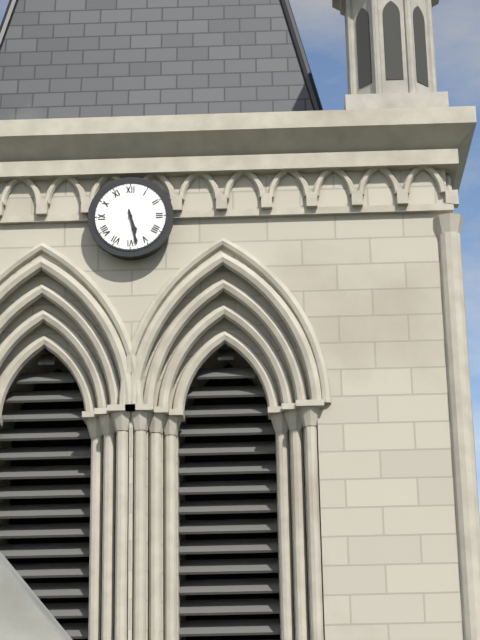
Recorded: {"hour": 5, "minute": 28}
